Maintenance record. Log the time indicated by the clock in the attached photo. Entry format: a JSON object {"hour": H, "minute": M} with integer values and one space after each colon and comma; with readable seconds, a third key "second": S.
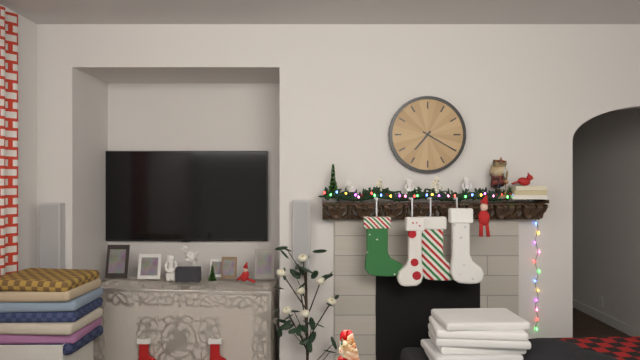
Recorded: {"hour": 7, "minute": 20}
